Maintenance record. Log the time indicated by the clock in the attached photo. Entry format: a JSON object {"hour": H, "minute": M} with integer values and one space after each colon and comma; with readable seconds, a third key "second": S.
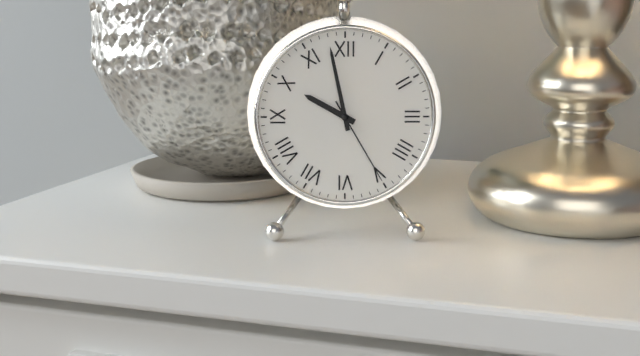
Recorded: {"hour": 9, "minute": 58, "second": 25}
